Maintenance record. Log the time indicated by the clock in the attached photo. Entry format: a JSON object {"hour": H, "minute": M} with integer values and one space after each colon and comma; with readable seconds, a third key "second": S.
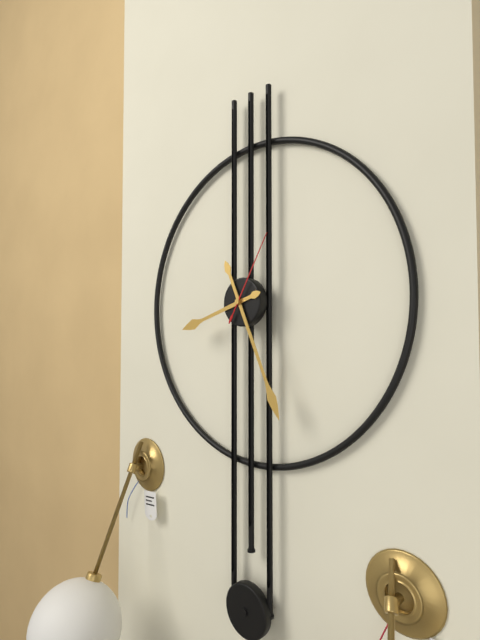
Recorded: {"hour": 8, "minute": 26, "second": 5}
